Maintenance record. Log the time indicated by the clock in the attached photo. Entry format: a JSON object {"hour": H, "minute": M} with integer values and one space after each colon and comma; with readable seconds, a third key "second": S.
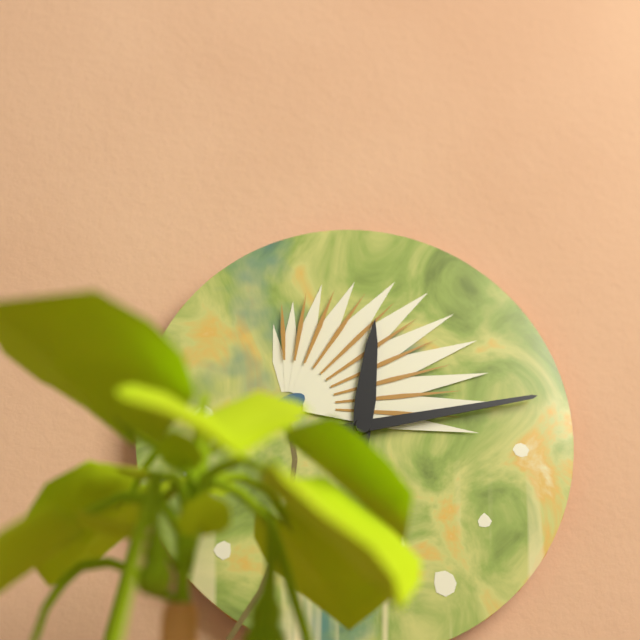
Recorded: {"hour": 12, "minute": 13}
